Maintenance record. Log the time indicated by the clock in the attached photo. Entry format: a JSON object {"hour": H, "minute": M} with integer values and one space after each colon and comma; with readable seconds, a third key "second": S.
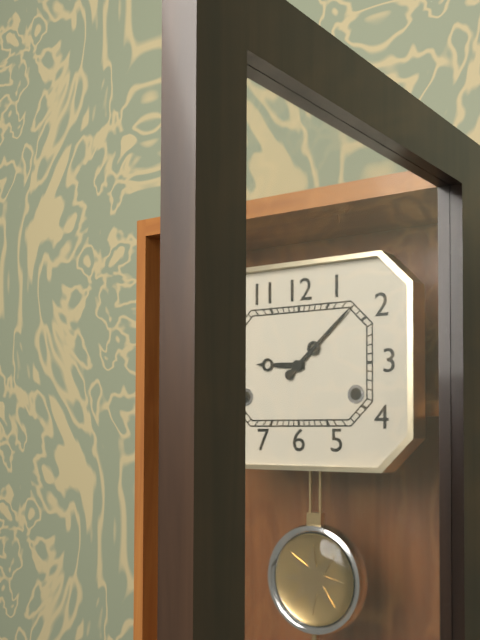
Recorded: {"hour": 9, "minute": 8}
